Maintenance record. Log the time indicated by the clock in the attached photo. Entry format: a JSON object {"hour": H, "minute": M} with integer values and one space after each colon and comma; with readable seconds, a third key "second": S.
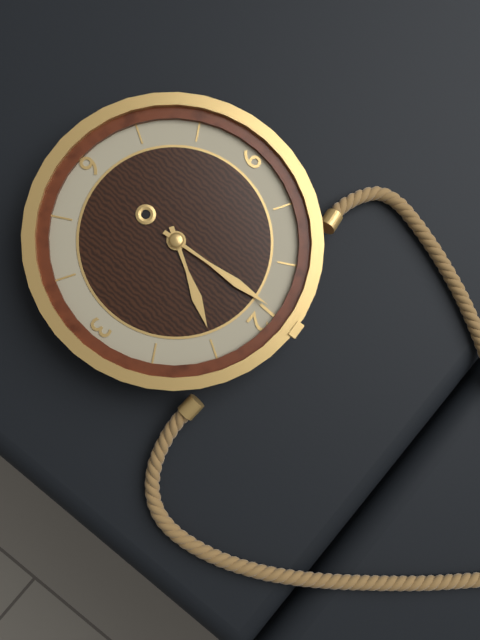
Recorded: {"hour": 12, "minute": 59}
